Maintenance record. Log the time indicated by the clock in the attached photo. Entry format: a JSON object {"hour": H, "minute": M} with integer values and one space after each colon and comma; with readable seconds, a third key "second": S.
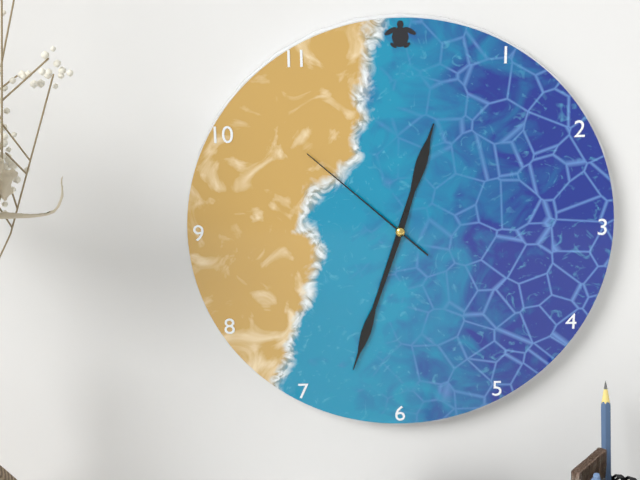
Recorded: {"hour": 12, "minute": 33, "second": 52}
